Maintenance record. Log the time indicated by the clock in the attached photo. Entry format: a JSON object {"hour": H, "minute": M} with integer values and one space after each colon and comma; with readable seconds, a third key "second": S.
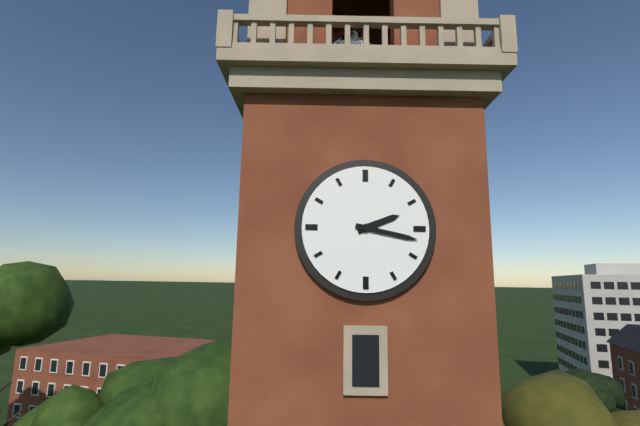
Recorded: {"hour": 2, "minute": 17}
